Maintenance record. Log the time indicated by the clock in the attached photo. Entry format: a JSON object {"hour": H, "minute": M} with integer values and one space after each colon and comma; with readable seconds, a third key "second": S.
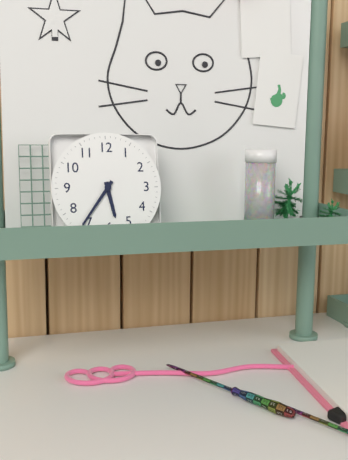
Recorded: {"hour": 5, "minute": 36}
